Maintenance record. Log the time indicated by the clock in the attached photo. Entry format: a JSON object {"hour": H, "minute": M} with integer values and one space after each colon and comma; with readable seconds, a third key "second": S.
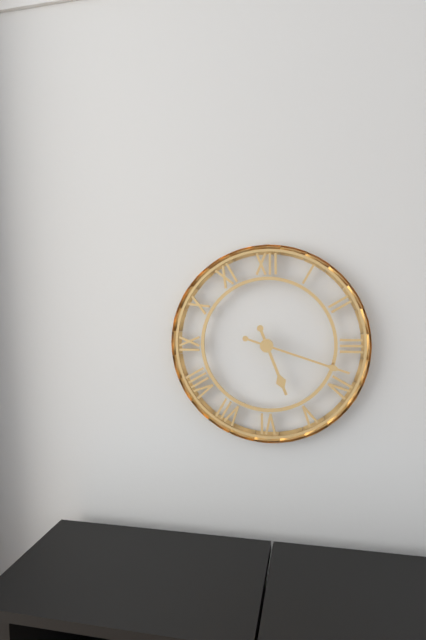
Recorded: {"hour": 5, "minute": 18}
